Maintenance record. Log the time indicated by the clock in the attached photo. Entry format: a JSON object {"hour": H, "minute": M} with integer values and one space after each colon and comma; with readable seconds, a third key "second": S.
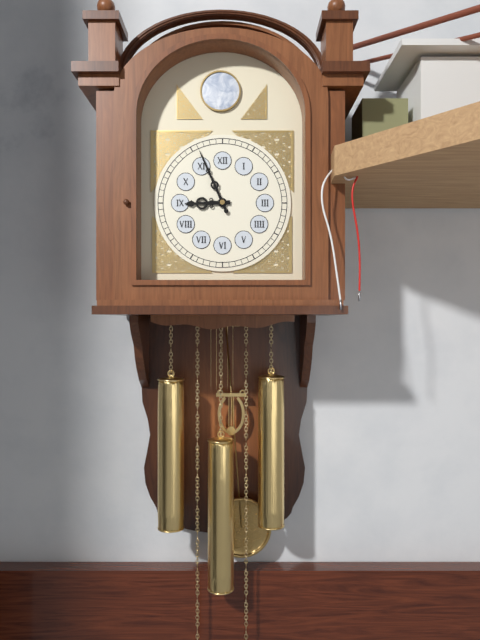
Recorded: {"hour": 8, "minute": 56}
